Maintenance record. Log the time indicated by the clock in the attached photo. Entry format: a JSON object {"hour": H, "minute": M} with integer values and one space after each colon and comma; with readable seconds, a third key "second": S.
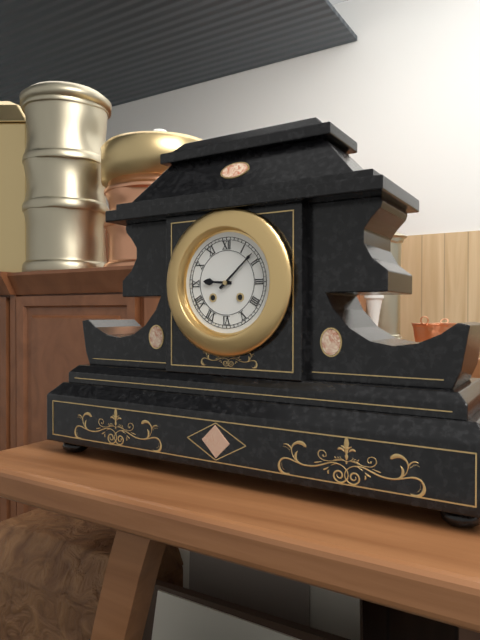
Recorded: {"hour": 9, "minute": 8}
